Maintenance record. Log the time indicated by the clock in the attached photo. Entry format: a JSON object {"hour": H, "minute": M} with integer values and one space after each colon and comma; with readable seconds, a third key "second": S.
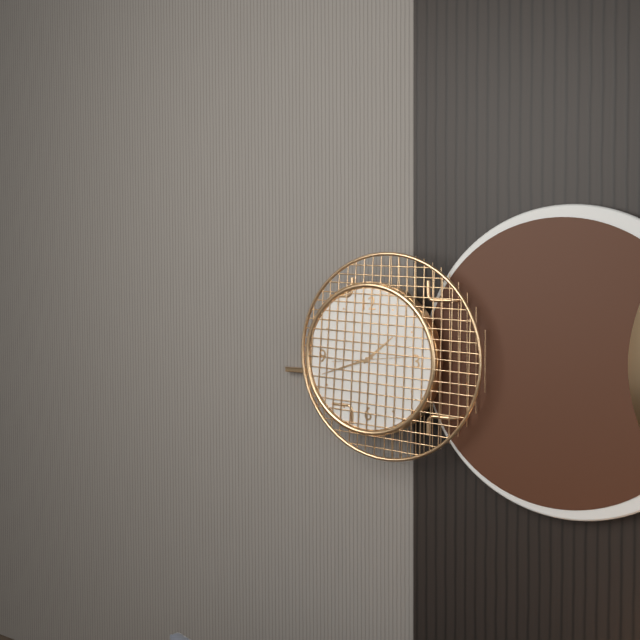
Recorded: {"hour": 1, "minute": 42, "second": 14}
